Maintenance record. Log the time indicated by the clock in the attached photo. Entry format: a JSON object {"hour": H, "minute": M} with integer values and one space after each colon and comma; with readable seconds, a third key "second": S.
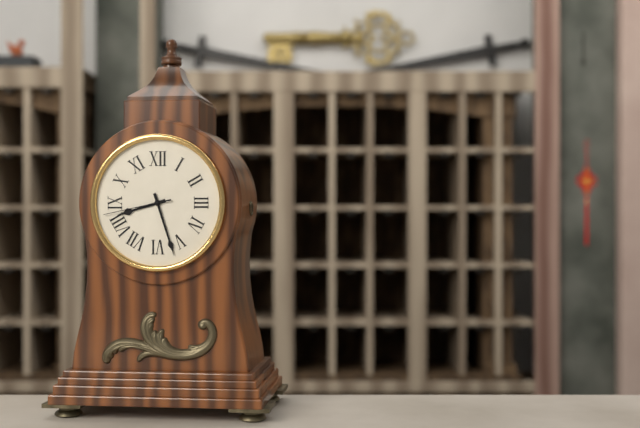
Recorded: {"hour": 8, "minute": 27, "second": 43}
